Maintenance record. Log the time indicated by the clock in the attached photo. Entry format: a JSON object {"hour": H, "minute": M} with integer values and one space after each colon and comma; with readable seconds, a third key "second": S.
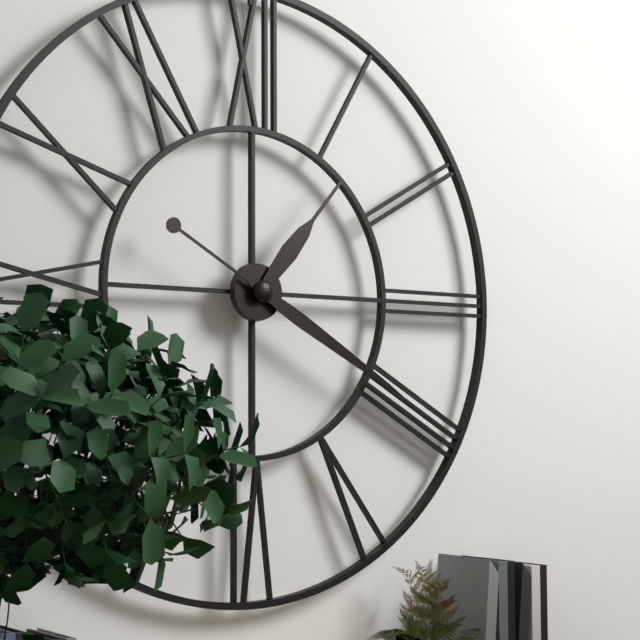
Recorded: {"hour": 1, "minute": 20}
